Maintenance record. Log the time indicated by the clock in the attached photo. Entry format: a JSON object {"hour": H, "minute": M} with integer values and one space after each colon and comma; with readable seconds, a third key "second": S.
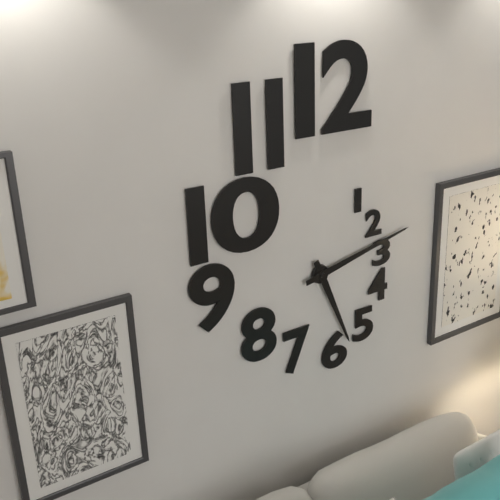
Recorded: {"hour": 5, "minute": 13}
